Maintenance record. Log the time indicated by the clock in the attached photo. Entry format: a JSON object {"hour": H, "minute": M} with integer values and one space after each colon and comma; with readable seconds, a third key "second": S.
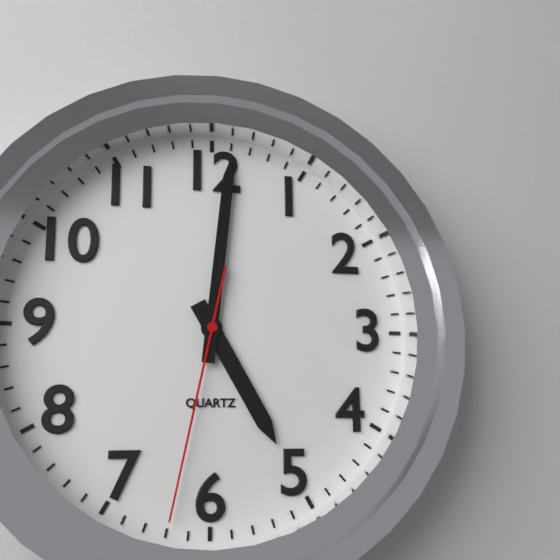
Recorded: {"hour": 5, "minute": 1, "second": 32}
